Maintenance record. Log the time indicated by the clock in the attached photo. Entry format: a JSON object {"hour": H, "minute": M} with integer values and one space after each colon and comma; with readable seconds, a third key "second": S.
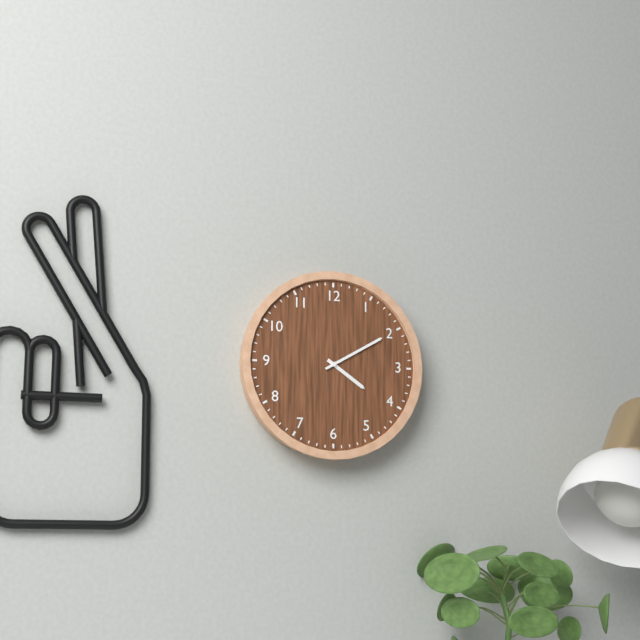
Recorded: {"hour": 4, "minute": 10}
